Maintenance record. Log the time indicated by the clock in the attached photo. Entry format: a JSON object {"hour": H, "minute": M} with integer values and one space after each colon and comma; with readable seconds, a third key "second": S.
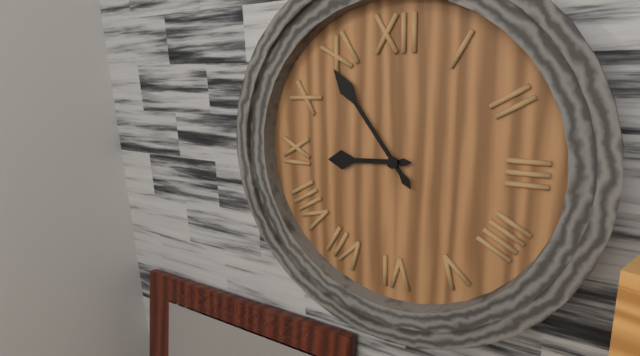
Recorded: {"hour": 8, "minute": 54}
